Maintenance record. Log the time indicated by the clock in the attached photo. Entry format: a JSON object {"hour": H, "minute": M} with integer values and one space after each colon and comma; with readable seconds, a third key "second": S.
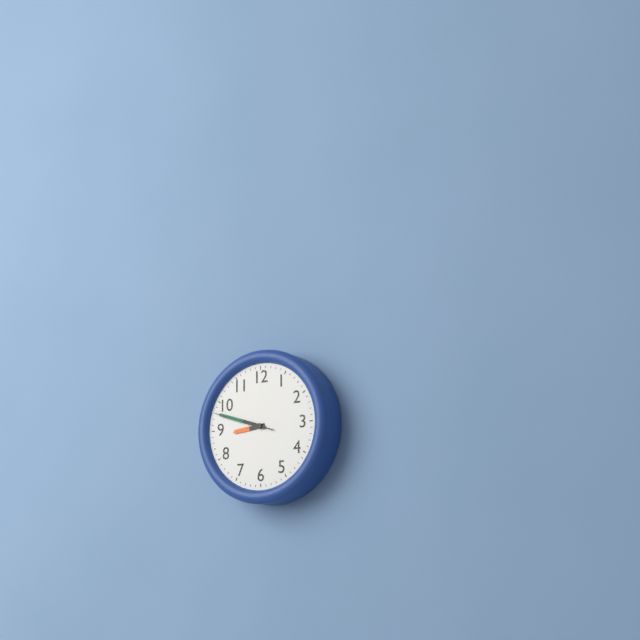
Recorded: {"hour": 8, "minute": 48, "second": 48}
